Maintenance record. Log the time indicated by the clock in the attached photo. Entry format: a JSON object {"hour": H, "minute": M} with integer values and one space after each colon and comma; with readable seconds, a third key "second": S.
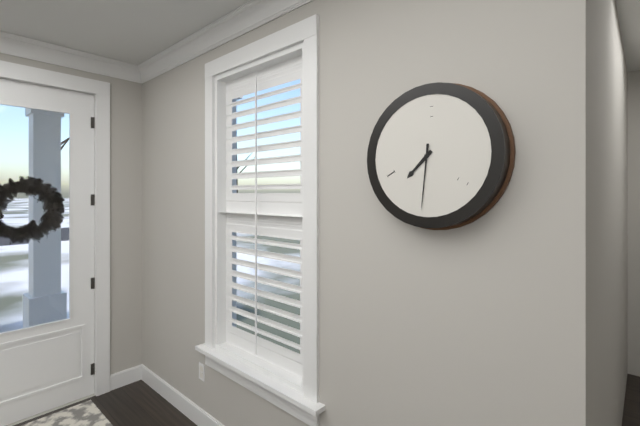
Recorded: {"hour": 7, "minute": 31}
